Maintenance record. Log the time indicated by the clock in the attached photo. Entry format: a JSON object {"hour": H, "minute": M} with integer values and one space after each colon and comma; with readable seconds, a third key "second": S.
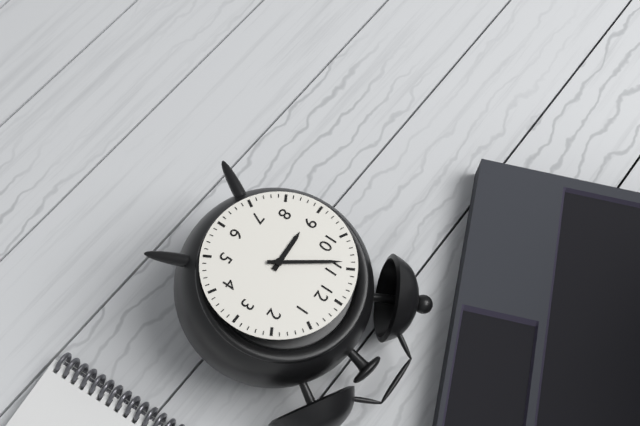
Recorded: {"hour": 8, "minute": 54}
